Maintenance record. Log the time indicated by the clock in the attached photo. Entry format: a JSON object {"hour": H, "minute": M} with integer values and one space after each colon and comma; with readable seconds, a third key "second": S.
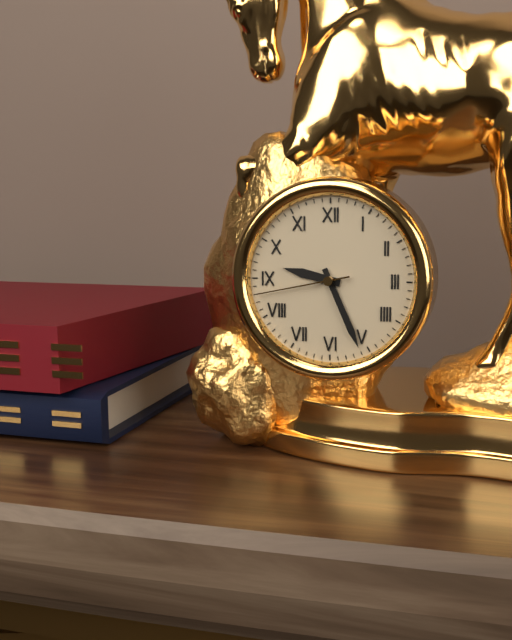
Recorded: {"hour": 9, "minute": 26, "second": 43}
